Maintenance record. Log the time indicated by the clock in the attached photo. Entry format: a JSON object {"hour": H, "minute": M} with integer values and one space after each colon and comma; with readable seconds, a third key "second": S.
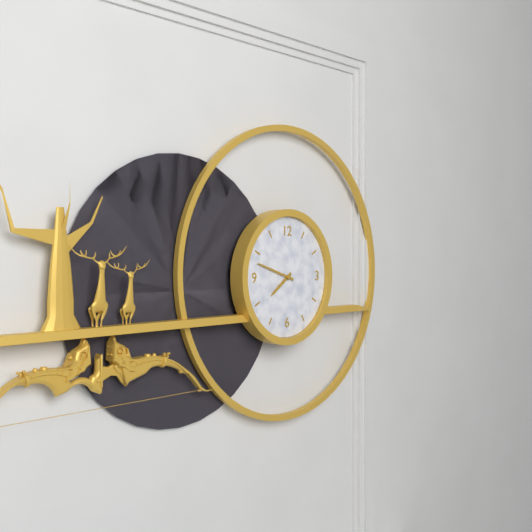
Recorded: {"hour": 7, "minute": 48}
